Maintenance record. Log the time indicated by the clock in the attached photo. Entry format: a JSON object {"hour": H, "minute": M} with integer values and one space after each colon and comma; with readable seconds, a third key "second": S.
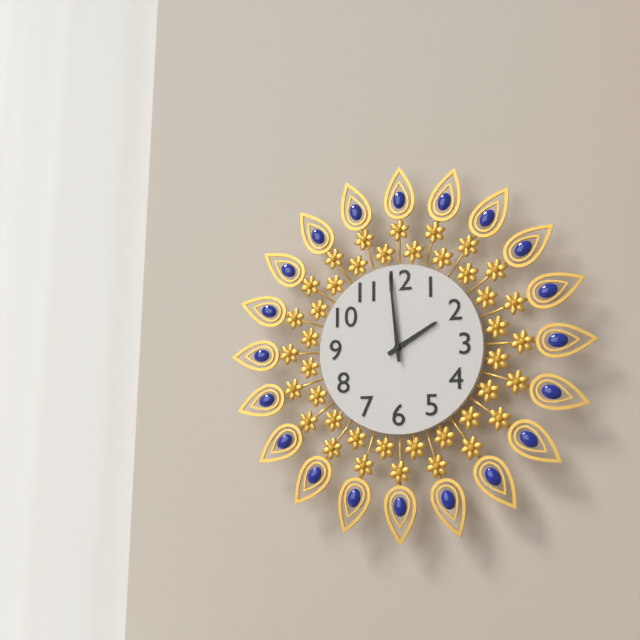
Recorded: {"hour": 1, "minute": 59}
